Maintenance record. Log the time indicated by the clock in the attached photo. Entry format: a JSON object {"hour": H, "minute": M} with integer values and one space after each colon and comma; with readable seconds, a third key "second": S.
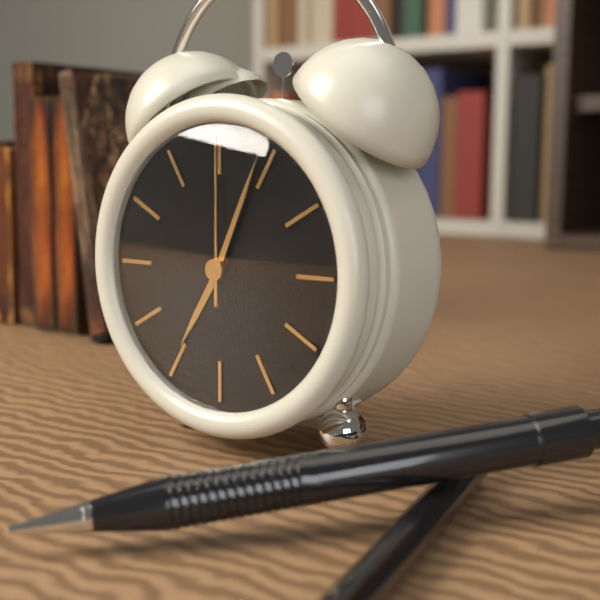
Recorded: {"hour": 7, "minute": 4, "second": 0}
